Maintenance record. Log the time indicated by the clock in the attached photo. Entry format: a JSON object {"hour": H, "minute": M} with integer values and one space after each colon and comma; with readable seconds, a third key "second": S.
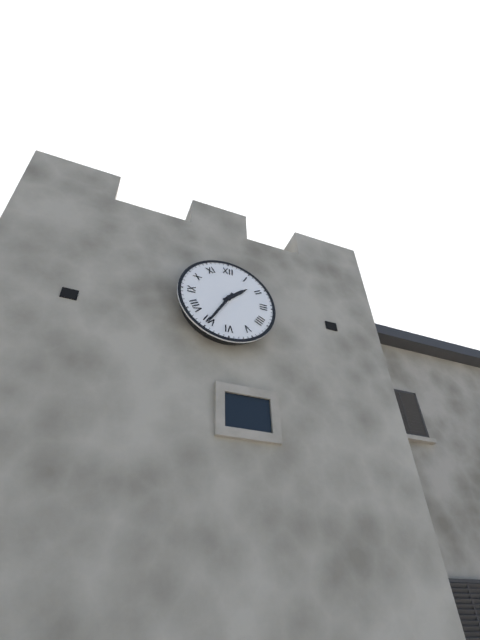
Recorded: {"hour": 1, "minute": 35}
